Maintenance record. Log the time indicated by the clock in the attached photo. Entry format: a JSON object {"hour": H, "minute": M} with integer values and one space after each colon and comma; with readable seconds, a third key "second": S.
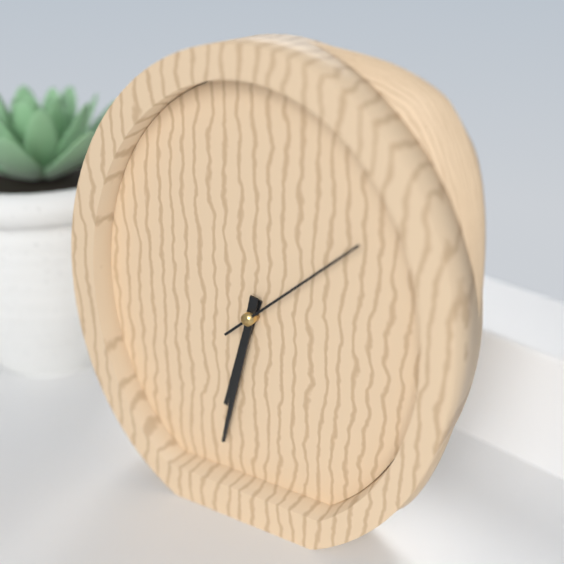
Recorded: {"hour": 6, "minute": 32, "second": 8}
